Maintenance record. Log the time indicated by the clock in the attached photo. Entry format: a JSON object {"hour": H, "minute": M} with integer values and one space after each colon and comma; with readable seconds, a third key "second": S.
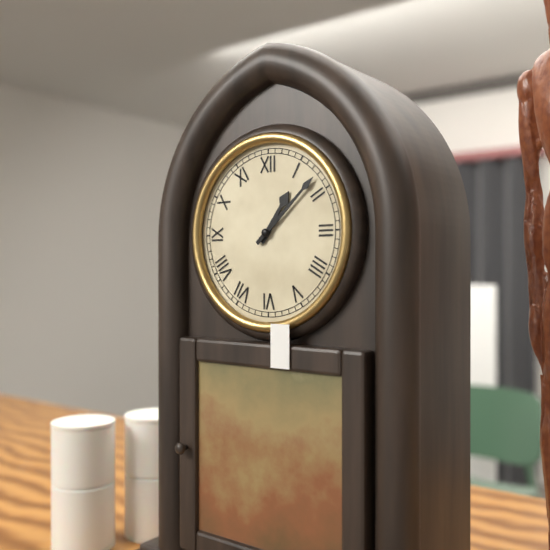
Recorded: {"hour": 1, "minute": 8}
